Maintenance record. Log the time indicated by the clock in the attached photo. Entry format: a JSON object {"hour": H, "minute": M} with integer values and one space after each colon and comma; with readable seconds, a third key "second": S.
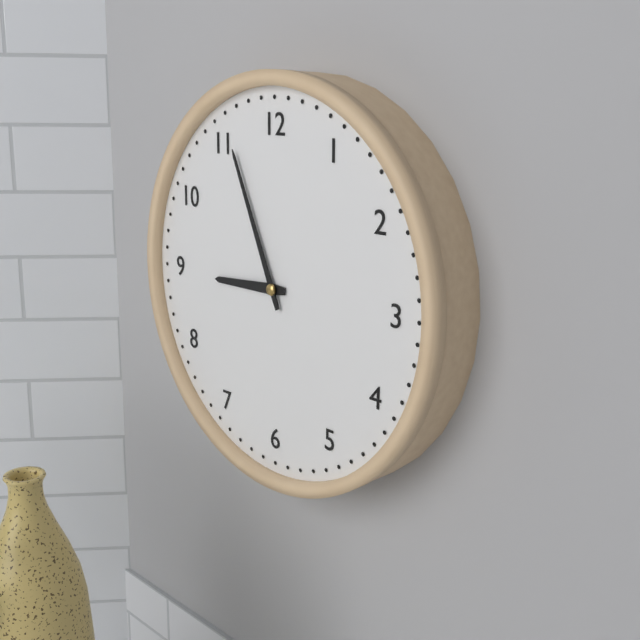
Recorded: {"hour": 8, "minute": 56}
